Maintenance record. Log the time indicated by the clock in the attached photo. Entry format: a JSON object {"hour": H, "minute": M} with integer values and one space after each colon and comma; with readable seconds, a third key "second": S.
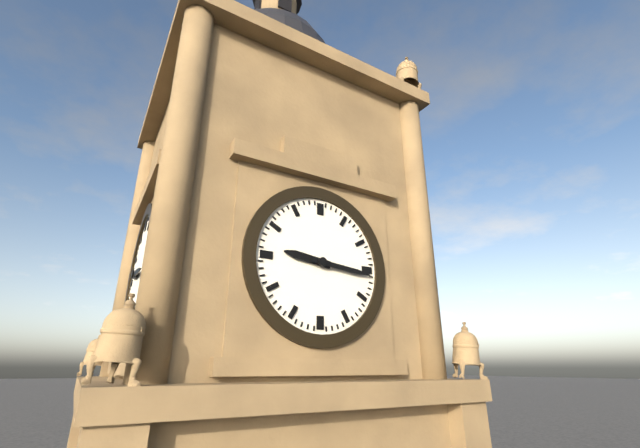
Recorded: {"hour": 9, "minute": 16}
